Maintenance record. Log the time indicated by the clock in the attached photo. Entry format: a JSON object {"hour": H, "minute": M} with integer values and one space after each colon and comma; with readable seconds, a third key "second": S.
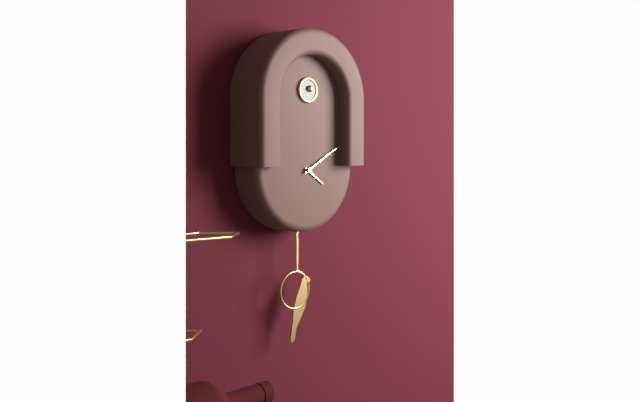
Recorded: {"hour": 4, "minute": 10}
